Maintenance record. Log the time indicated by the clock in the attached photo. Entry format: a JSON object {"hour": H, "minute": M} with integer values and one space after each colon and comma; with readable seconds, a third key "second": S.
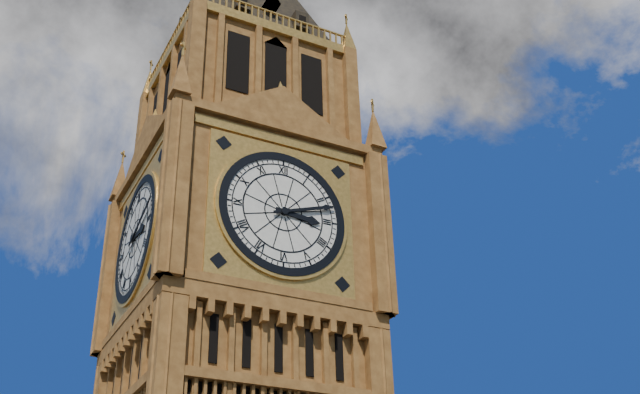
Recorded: {"hour": 3, "minute": 12}
